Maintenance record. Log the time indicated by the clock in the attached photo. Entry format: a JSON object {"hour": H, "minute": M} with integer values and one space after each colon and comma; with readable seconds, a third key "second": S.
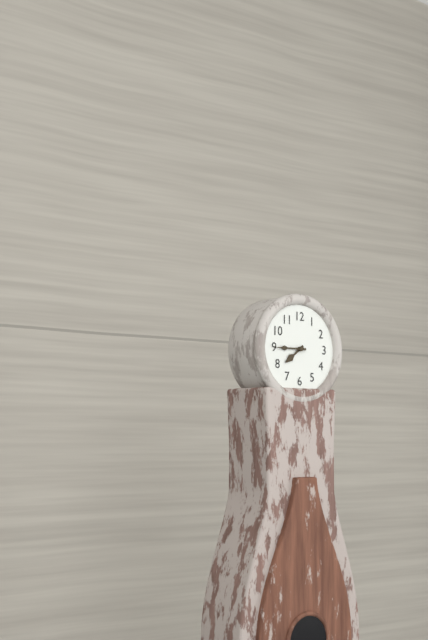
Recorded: {"hour": 7, "minute": 45}
